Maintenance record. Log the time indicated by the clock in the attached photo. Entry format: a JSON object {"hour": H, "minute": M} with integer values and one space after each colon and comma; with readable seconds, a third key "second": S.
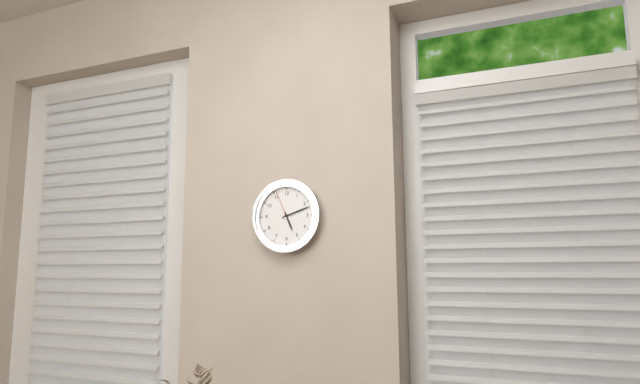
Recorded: {"hour": 5, "minute": 12}
